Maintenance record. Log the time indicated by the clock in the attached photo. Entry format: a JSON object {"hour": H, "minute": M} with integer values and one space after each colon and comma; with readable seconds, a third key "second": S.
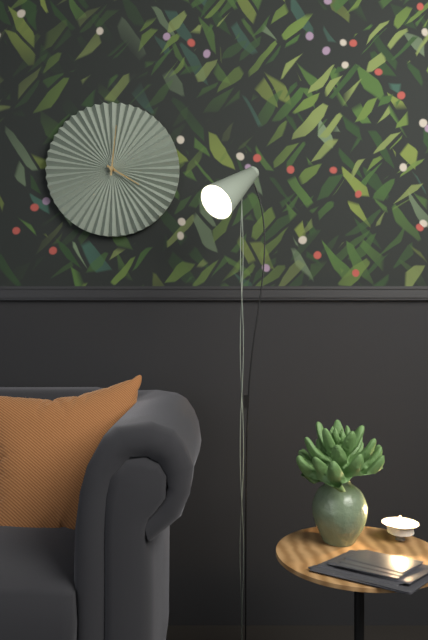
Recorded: {"hour": 4, "minute": 1}
